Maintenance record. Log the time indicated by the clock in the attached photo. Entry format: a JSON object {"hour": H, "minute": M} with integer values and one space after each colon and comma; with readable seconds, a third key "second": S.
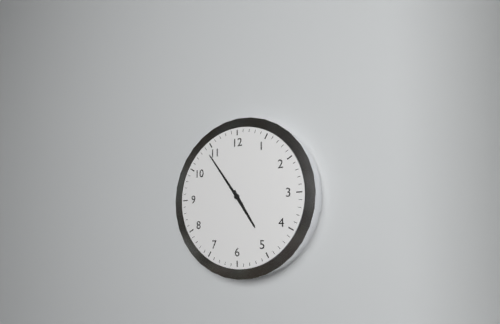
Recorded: {"hour": 4, "minute": 54}
